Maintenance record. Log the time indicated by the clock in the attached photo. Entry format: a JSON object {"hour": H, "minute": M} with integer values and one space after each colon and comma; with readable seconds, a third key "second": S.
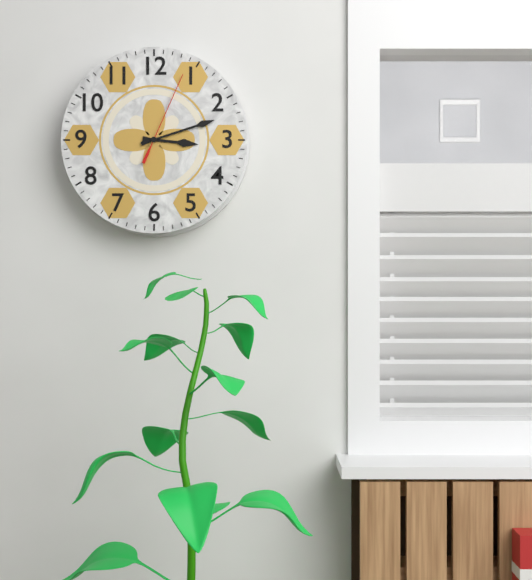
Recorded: {"hour": 3, "minute": 12, "second": 4}
